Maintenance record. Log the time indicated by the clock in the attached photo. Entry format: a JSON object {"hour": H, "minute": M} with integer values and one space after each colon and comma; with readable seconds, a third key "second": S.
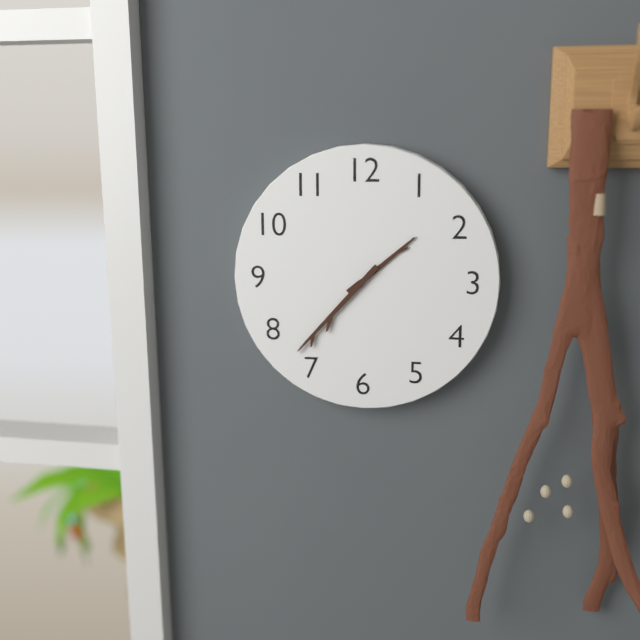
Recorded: {"hour": 1, "minute": 37}
